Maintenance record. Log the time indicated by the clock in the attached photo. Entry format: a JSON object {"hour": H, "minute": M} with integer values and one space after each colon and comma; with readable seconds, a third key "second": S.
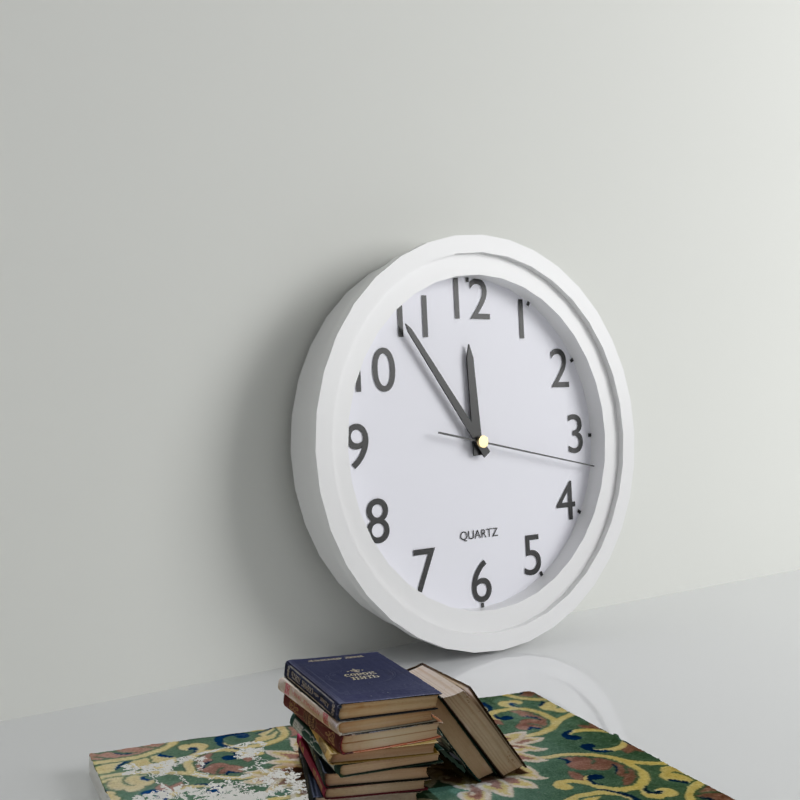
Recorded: {"hour": 11, "minute": 54, "second": 17}
